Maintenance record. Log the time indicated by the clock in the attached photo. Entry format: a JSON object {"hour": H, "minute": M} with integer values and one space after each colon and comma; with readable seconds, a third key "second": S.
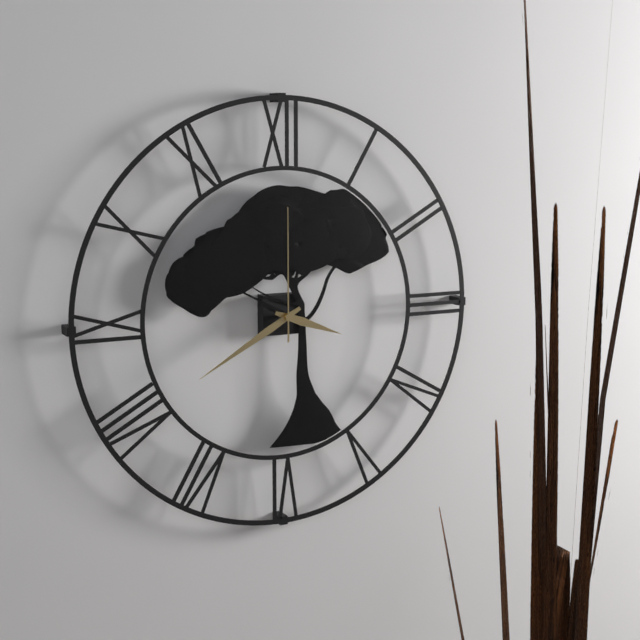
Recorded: {"hour": 3, "minute": 40, "second": 0}
